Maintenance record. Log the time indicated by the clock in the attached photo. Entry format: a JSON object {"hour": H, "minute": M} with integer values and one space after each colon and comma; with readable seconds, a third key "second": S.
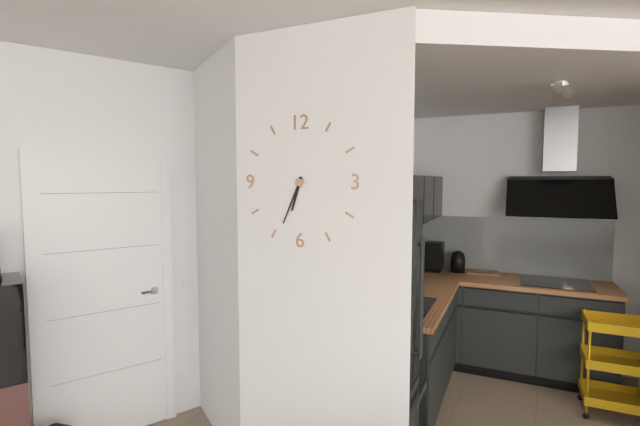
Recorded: {"hour": 6, "minute": 34}
